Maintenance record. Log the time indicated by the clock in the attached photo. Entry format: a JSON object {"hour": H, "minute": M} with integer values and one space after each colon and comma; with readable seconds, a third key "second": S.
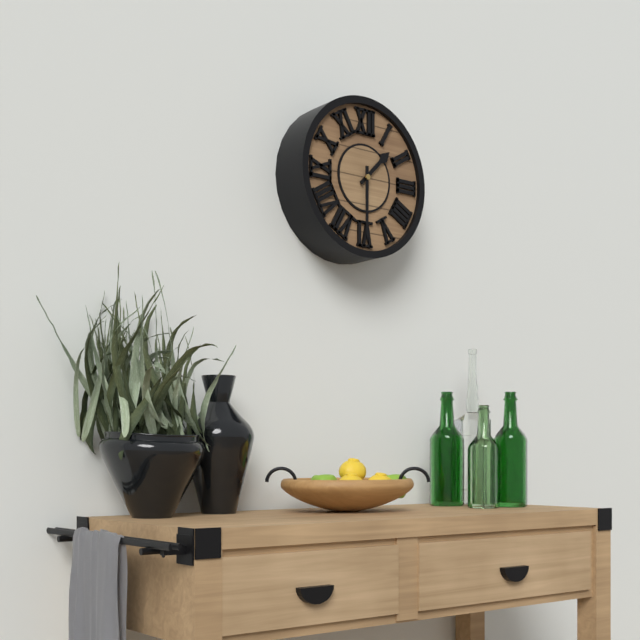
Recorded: {"hour": 1, "minute": 30}
